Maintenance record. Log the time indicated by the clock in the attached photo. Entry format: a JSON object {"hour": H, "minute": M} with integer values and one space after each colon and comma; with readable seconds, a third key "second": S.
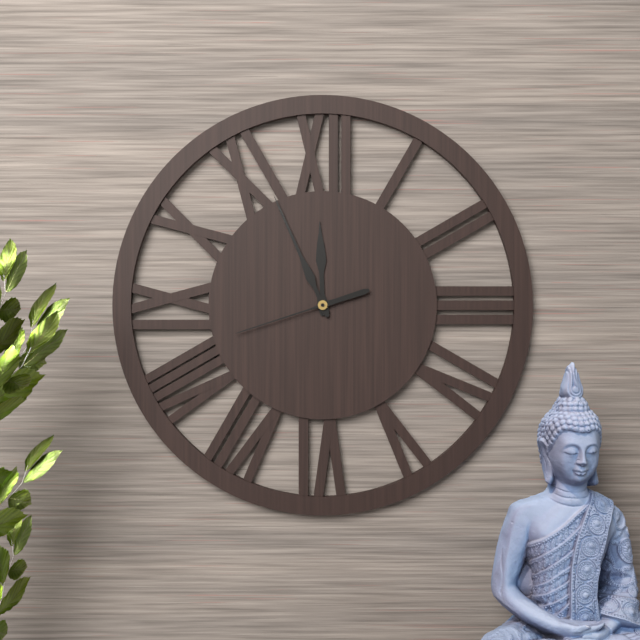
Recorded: {"hour": 11, "minute": 56, "second": 42}
